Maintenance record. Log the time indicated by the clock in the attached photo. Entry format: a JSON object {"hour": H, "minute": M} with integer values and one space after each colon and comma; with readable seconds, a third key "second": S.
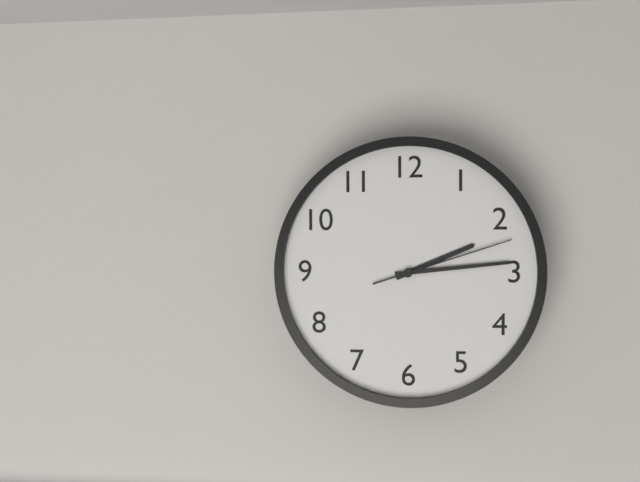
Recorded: {"hour": 2, "minute": 14, "second": 12}
